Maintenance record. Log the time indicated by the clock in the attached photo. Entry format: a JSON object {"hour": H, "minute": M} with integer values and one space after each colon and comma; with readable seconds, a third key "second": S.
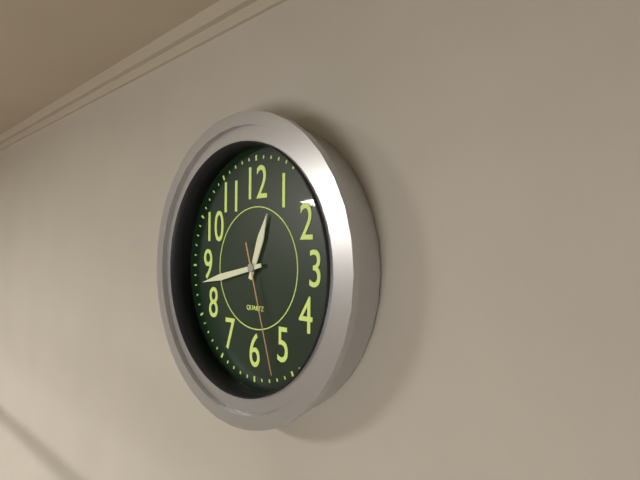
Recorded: {"hour": 12, "minute": 43, "second": 27}
